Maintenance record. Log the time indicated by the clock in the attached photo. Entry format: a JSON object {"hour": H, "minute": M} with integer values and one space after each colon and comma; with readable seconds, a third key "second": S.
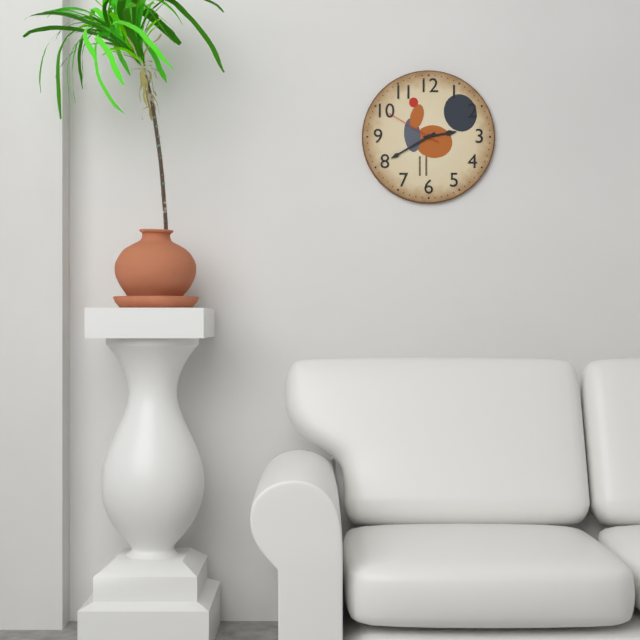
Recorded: {"hour": 2, "minute": 40, "second": 50}
